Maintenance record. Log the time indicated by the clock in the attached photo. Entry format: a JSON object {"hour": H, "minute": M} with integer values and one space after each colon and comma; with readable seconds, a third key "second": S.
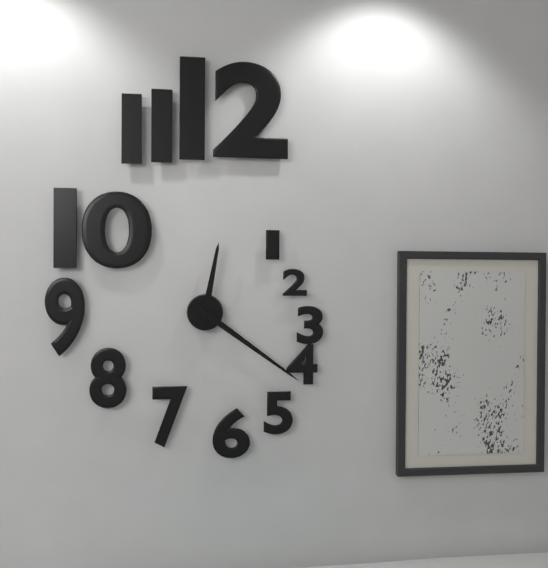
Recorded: {"hour": 12, "minute": 21}
